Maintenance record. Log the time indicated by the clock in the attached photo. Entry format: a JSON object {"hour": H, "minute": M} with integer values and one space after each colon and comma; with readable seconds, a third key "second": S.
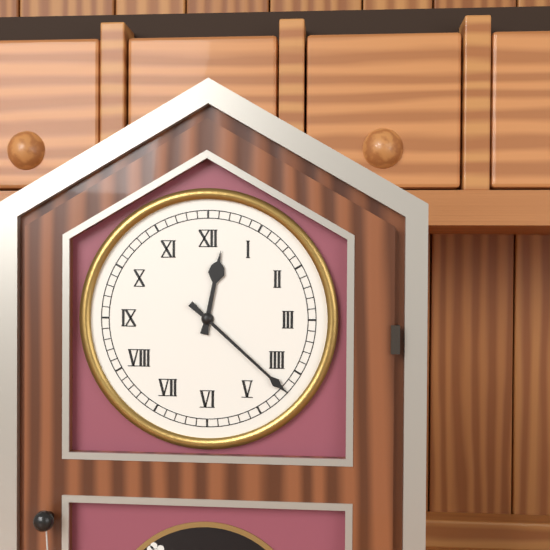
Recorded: {"hour": 12, "minute": 22}
